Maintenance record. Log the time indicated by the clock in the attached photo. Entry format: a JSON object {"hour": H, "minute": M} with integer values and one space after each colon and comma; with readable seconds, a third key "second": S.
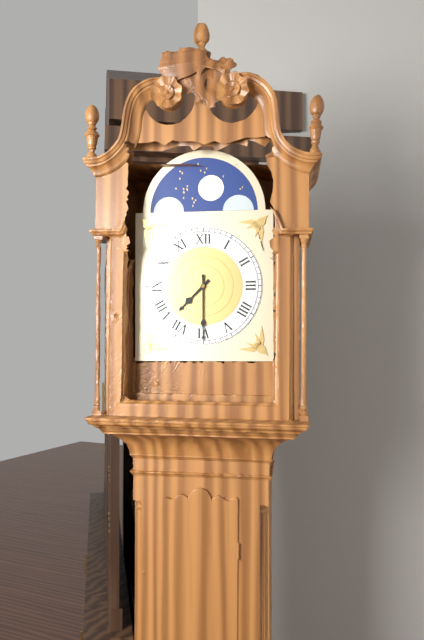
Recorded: {"hour": 7, "minute": 30}
